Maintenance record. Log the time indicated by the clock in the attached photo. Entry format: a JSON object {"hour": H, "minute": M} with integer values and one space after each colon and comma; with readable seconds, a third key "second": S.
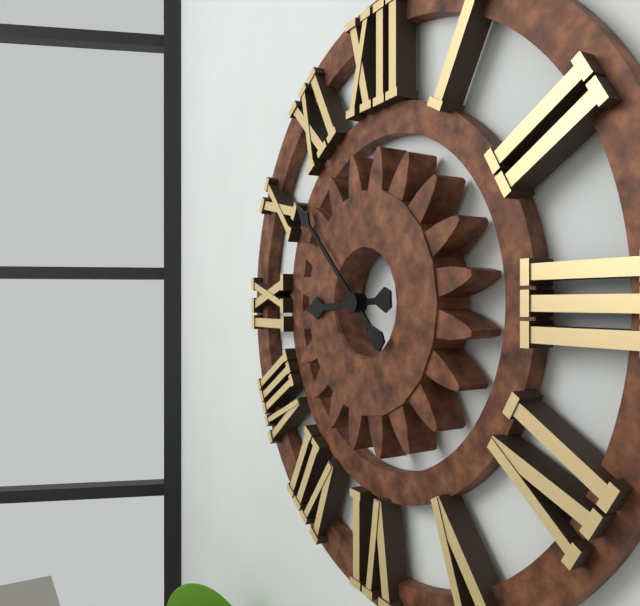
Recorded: {"hour": 8, "minute": 52}
